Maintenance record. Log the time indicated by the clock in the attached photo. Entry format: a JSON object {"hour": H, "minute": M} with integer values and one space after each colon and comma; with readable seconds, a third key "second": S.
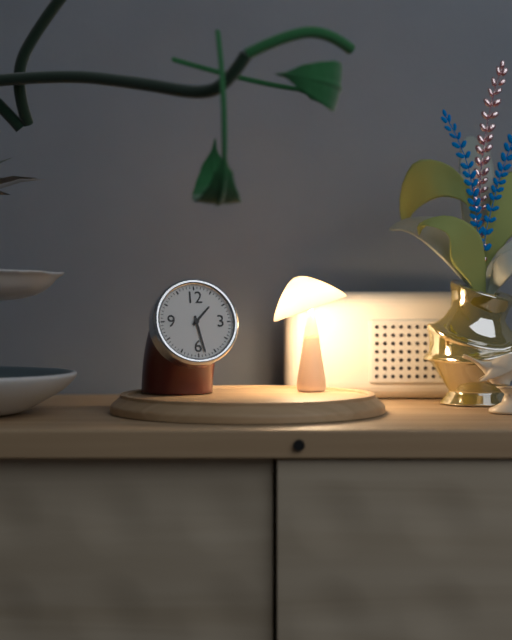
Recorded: {"hour": 1, "minute": 28}
